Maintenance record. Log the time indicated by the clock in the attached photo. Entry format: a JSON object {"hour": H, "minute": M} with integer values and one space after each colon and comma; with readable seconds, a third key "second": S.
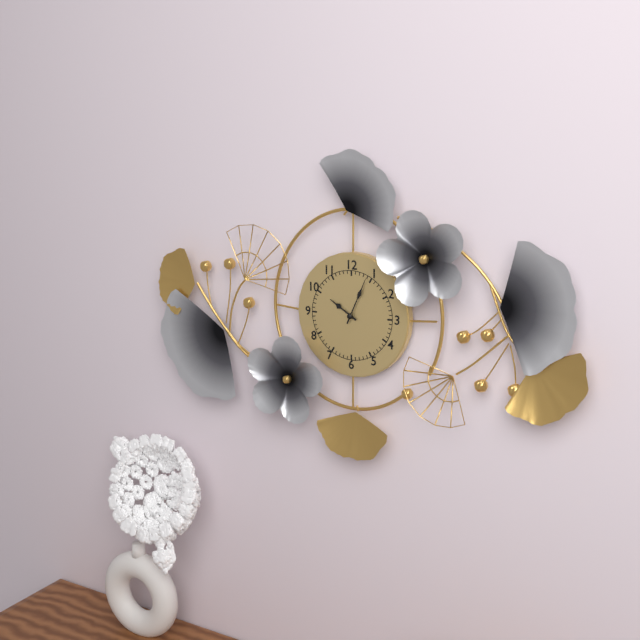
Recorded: {"hour": 10, "minute": 4}
